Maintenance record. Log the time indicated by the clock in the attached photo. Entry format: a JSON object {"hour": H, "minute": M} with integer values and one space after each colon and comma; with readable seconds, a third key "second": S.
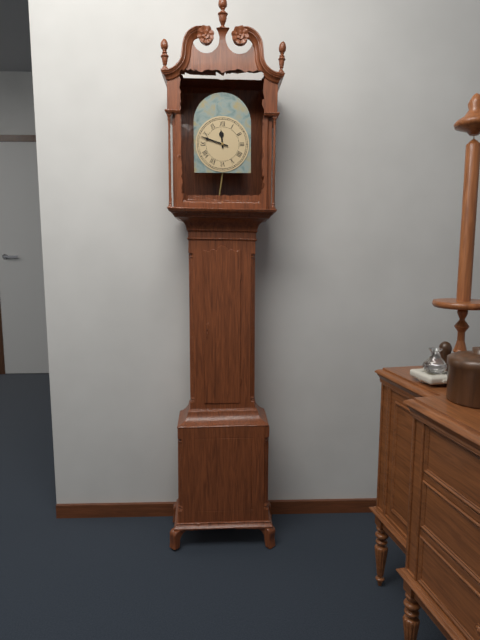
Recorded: {"hour": 11, "minute": 48}
